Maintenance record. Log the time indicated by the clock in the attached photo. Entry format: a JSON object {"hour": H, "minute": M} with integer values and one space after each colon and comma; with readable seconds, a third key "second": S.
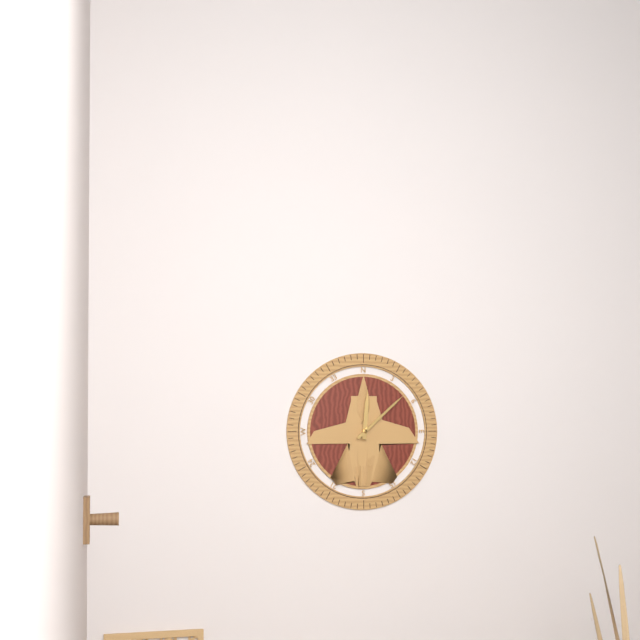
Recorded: {"hour": 12, "minute": 8}
